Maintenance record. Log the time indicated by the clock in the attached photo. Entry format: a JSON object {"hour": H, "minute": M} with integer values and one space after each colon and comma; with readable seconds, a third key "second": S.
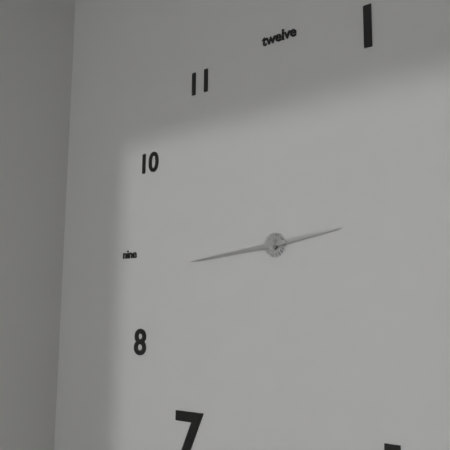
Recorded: {"hour": 2, "minute": 44}
